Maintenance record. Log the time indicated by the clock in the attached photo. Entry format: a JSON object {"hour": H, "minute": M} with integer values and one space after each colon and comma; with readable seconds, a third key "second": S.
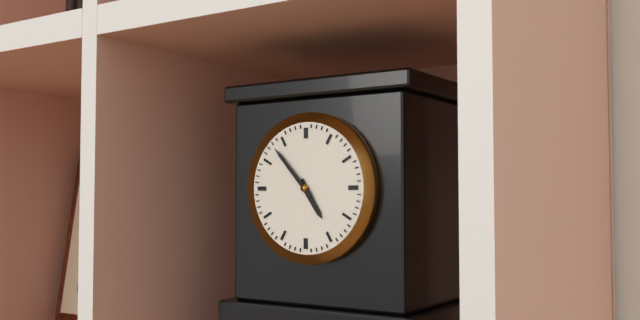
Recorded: {"hour": 4, "minute": 53}
